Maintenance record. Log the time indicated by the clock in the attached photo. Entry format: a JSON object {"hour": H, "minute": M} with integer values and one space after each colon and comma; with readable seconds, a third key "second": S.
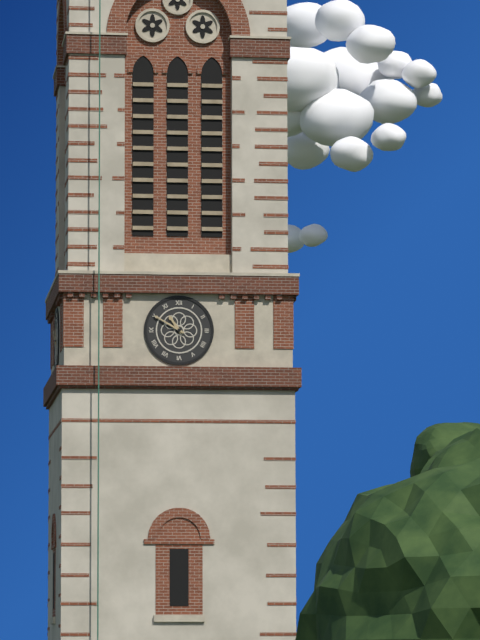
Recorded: {"hour": 10, "minute": 50}
